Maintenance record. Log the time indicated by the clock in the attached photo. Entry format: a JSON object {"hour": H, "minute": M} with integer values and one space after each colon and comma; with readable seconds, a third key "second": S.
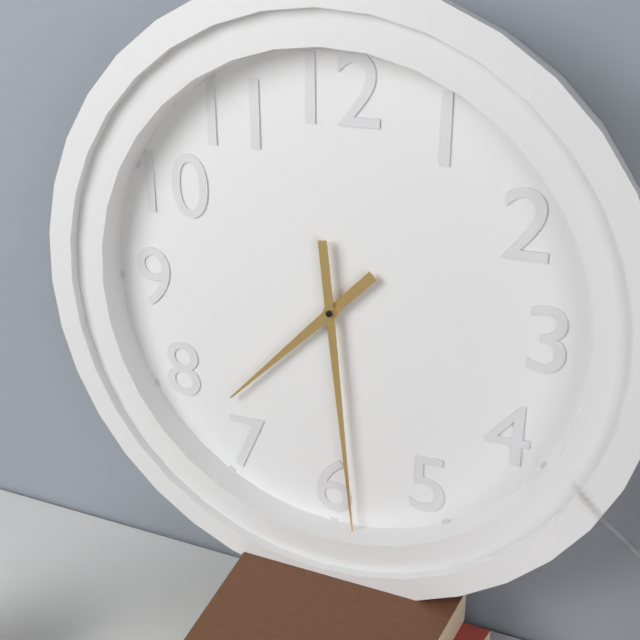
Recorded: {"hour": 7, "minute": 29}
